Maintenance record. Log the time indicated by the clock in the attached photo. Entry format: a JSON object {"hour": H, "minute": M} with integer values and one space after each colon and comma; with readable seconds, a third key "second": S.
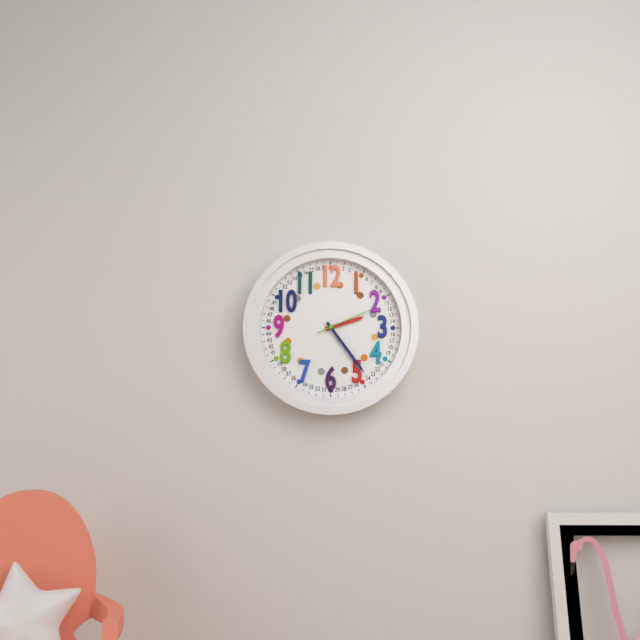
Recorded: {"hour": 2, "minute": 24, "second": 11}
